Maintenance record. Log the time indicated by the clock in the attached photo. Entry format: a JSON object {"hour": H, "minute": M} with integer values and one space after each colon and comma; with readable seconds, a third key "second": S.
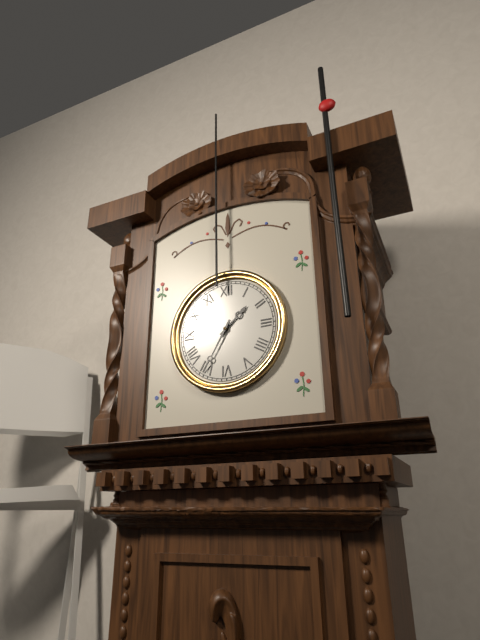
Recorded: {"hour": 1, "minute": 35}
